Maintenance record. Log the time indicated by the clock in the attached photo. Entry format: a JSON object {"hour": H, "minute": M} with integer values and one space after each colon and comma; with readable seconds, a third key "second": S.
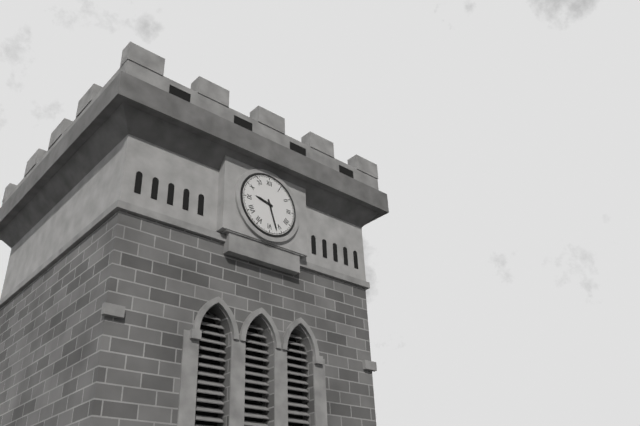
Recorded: {"hour": 9, "minute": 27}
